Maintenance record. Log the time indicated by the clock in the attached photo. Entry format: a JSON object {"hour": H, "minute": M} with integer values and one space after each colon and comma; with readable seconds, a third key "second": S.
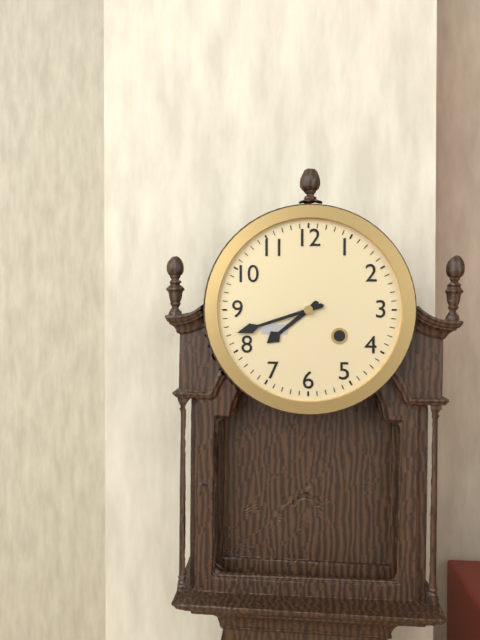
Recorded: {"hour": 7, "minute": 42}
